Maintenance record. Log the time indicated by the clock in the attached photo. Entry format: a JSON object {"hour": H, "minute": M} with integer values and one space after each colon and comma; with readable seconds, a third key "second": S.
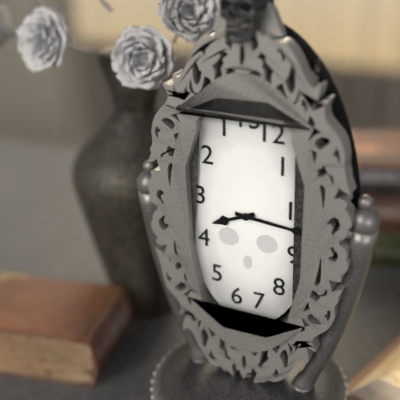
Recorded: {"hour": 8, "minute": 16}
